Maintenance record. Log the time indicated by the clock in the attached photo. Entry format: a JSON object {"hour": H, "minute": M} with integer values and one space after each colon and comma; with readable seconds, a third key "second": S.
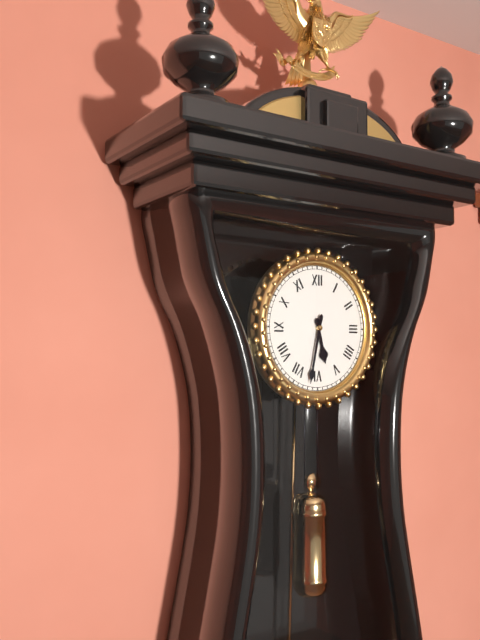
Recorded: {"hour": 5, "minute": 32}
